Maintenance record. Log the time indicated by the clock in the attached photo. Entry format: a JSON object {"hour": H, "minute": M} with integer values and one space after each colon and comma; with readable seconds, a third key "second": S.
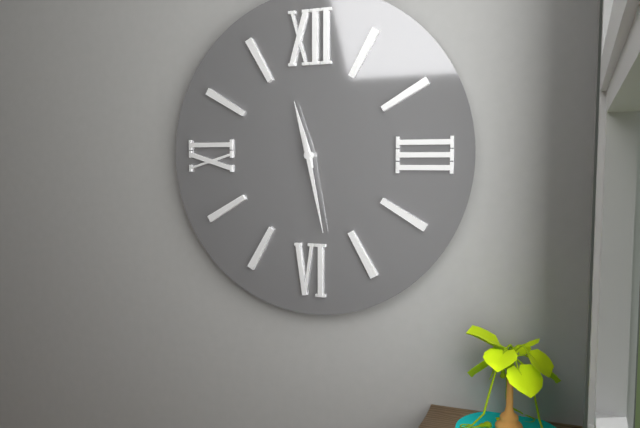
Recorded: {"hour": 11, "minute": 28}
